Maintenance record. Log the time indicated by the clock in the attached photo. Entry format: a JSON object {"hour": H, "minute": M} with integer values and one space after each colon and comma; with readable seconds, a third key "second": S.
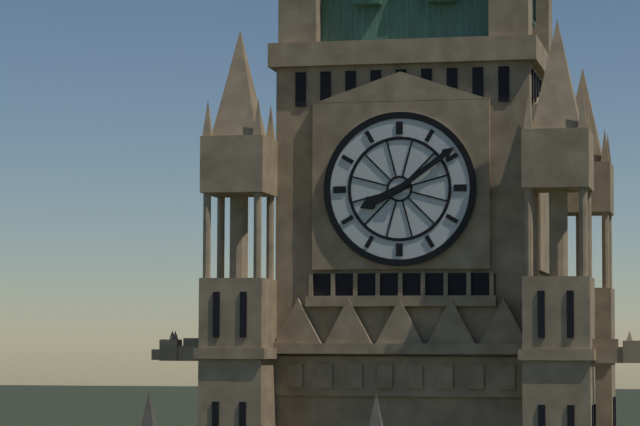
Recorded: {"hour": 8, "minute": 9}
